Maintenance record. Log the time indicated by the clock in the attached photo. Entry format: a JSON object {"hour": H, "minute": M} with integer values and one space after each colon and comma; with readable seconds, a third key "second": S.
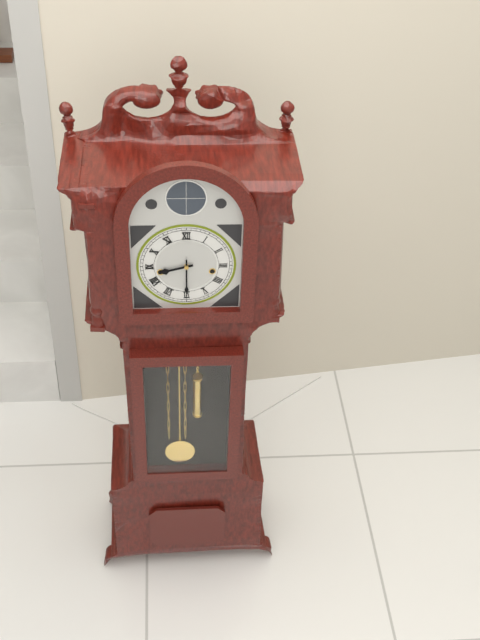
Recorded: {"hour": 8, "minute": 30}
